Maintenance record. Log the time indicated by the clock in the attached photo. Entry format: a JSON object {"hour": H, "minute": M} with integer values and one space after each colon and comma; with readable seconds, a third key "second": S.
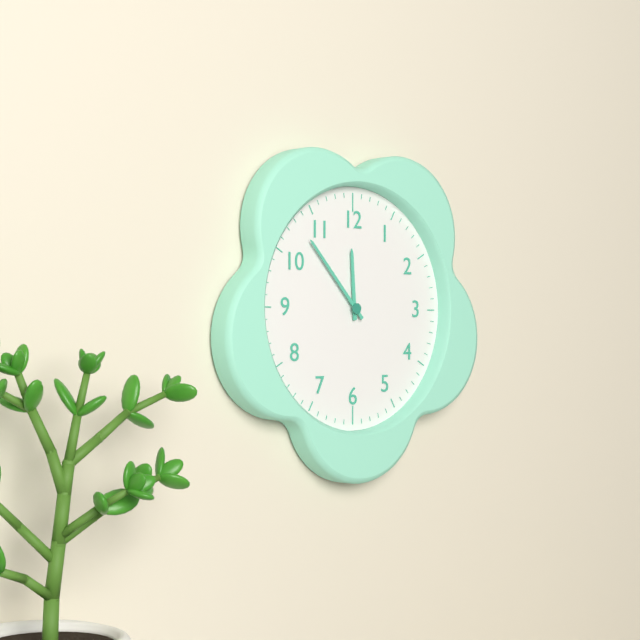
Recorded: {"hour": 11, "minute": 53}
